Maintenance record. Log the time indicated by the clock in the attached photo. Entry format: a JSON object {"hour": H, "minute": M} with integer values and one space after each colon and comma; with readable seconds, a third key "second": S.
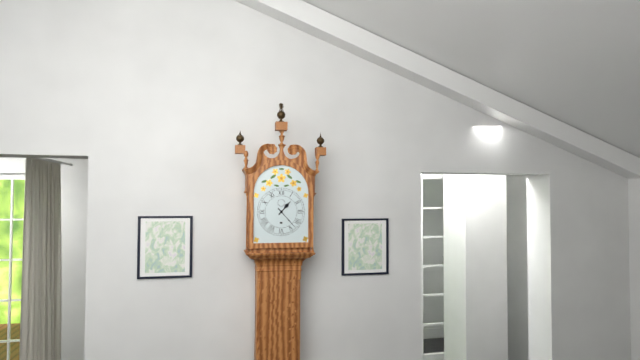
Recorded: {"hour": 1, "minute": 23}
